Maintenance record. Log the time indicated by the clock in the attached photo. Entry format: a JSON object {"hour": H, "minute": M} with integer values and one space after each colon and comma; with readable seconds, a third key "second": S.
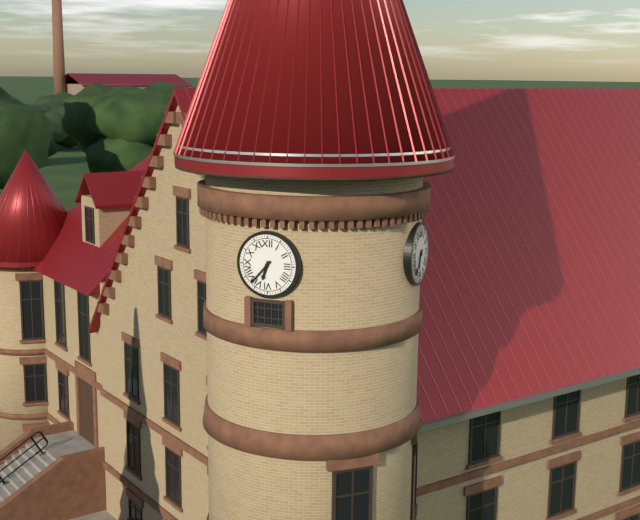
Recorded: {"hour": 6, "minute": 37}
